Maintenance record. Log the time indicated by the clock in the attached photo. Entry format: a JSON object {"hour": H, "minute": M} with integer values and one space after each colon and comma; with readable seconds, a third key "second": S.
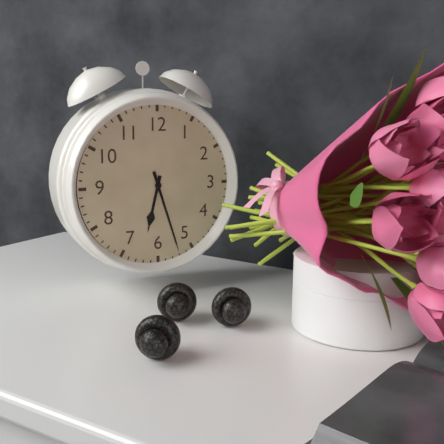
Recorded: {"hour": 6, "minute": 27}
